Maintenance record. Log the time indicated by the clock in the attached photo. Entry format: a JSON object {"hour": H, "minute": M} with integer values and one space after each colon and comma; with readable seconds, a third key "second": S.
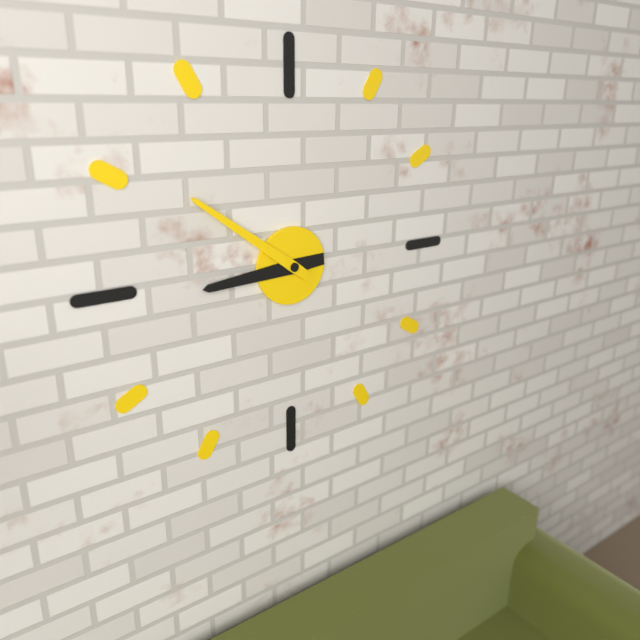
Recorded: {"hour": 8, "minute": 51}
